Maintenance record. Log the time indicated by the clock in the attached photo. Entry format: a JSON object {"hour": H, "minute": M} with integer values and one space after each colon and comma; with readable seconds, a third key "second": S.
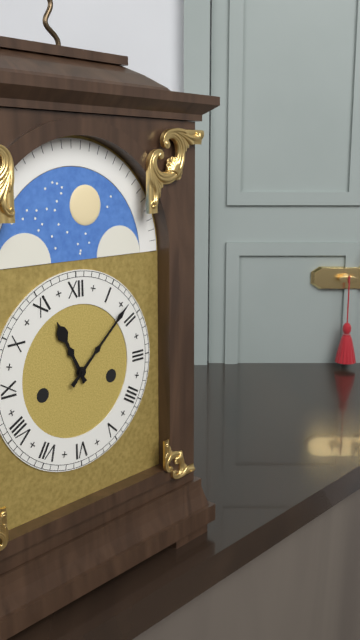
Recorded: {"hour": 11, "minute": 8}
